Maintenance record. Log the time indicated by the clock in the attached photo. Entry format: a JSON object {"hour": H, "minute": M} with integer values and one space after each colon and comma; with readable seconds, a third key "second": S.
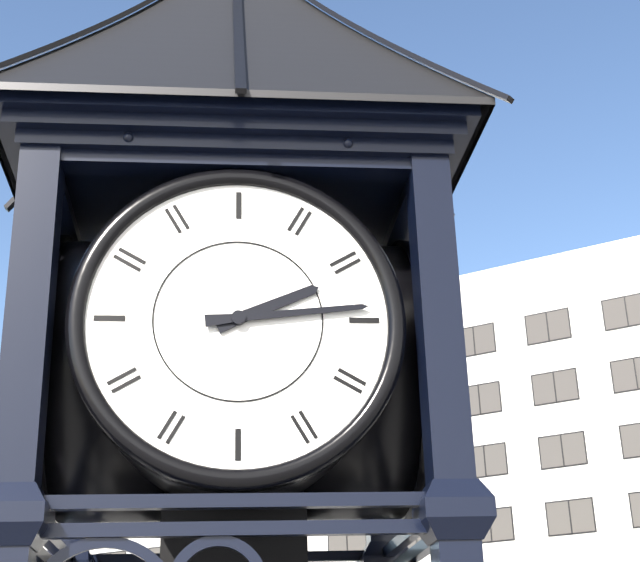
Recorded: {"hour": 2, "minute": 14}
